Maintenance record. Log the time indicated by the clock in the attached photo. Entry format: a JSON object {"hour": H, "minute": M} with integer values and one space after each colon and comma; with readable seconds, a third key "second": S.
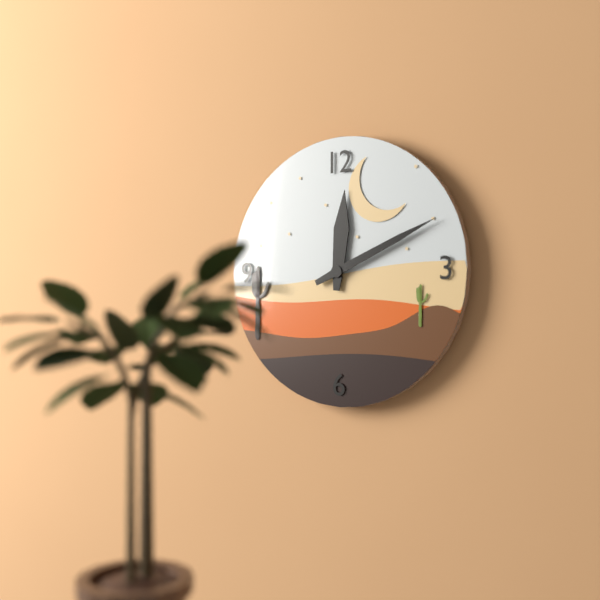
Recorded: {"hour": 12, "minute": 11}
